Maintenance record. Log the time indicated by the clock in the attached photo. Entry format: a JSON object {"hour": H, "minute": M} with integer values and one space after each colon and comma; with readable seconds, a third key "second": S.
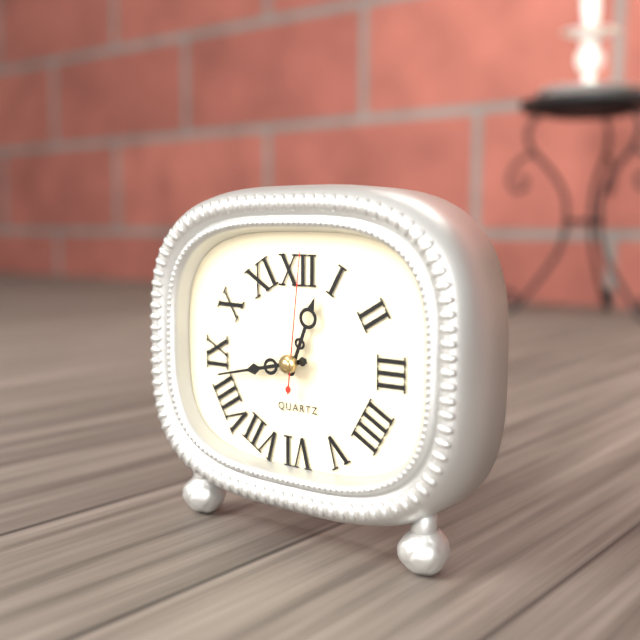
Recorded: {"hour": 12, "minute": 43, "second": 1}
